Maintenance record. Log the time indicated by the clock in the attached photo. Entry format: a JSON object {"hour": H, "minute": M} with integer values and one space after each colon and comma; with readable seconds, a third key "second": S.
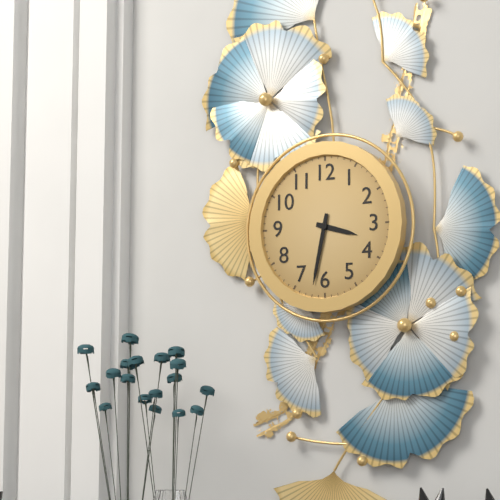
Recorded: {"hour": 3, "minute": 32}
